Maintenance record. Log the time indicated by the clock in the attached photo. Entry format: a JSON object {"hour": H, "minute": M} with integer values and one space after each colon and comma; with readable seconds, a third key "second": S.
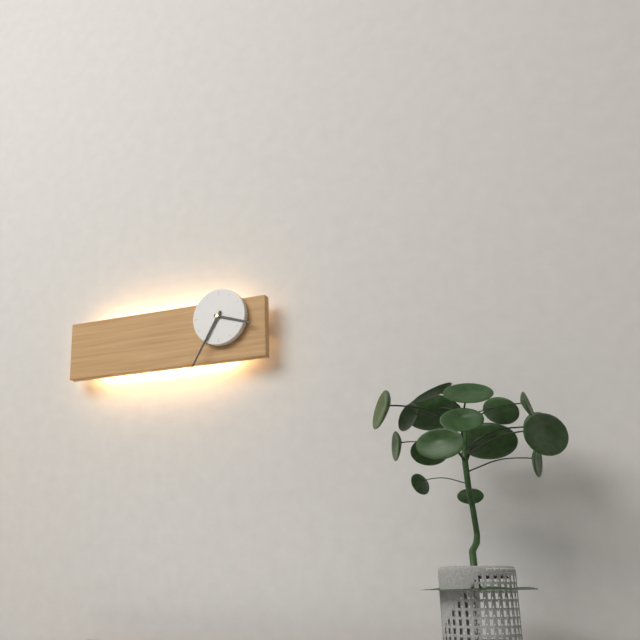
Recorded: {"hour": 3, "minute": 35}
